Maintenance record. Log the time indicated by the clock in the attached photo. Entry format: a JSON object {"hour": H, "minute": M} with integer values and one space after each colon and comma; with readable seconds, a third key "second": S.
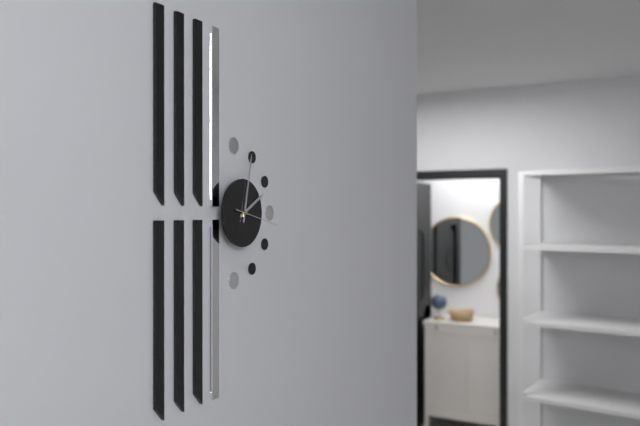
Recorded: {"hour": 2, "minute": 2}
